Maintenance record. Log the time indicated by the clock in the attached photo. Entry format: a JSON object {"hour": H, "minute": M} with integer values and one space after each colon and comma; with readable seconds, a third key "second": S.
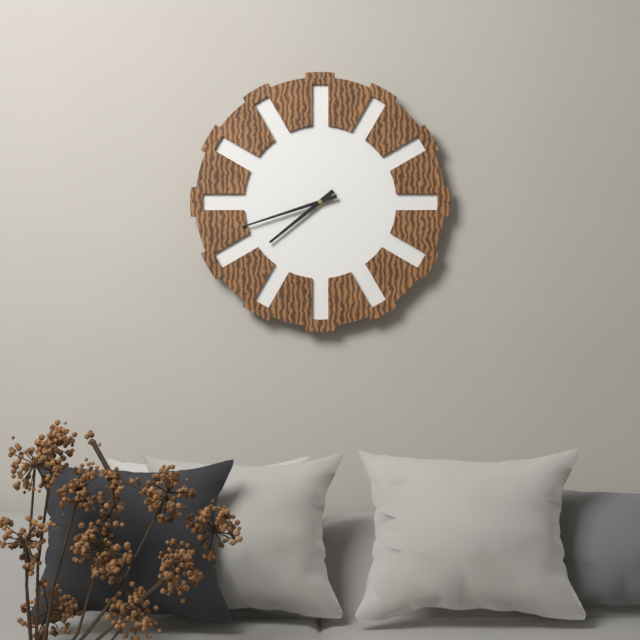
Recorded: {"hour": 7, "minute": 42}
